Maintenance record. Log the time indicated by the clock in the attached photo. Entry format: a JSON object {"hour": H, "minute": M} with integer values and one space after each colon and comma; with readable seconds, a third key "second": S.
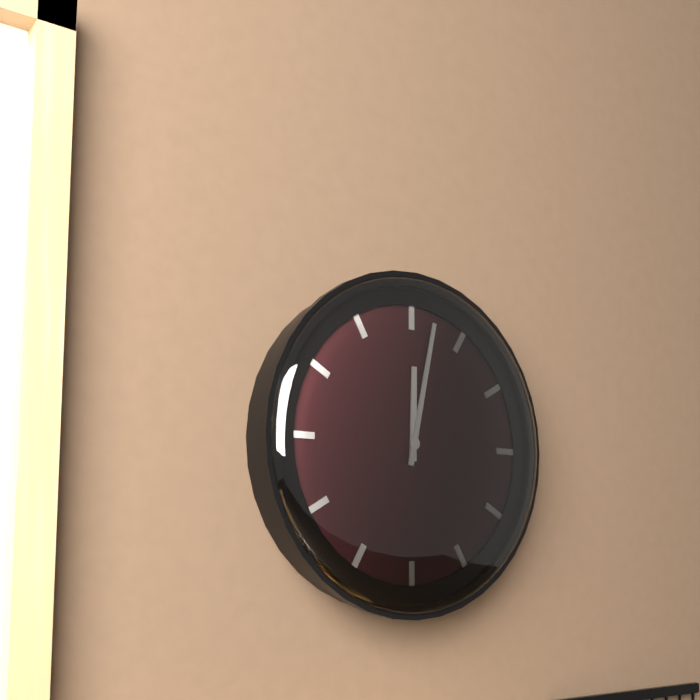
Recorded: {"hour": 12, "minute": 2}
